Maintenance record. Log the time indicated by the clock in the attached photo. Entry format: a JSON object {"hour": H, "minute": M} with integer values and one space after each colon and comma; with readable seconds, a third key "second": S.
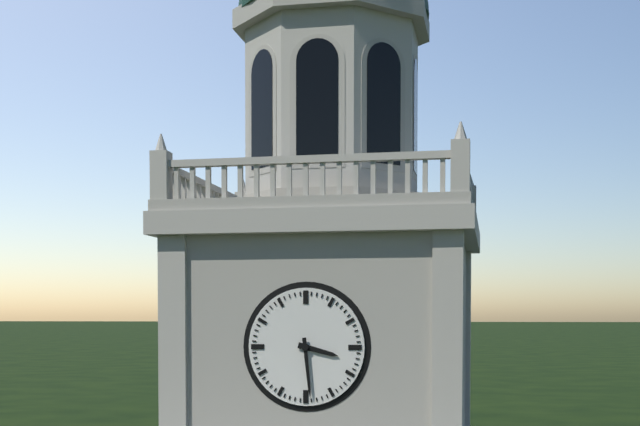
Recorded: {"hour": 3, "minute": 29}
